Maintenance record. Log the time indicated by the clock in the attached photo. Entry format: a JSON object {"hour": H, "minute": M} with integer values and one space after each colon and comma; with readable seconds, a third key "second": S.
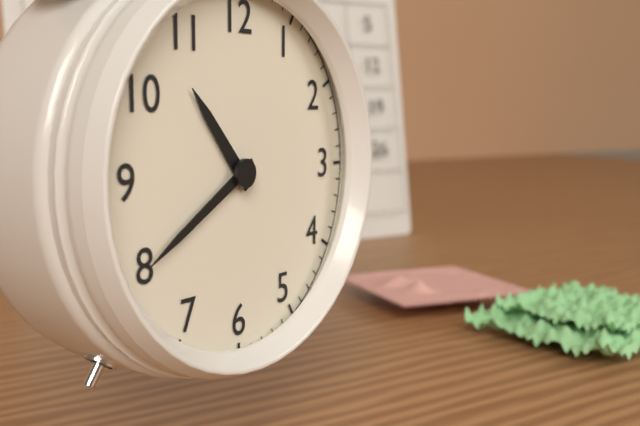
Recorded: {"hour": 10, "minute": 40}
